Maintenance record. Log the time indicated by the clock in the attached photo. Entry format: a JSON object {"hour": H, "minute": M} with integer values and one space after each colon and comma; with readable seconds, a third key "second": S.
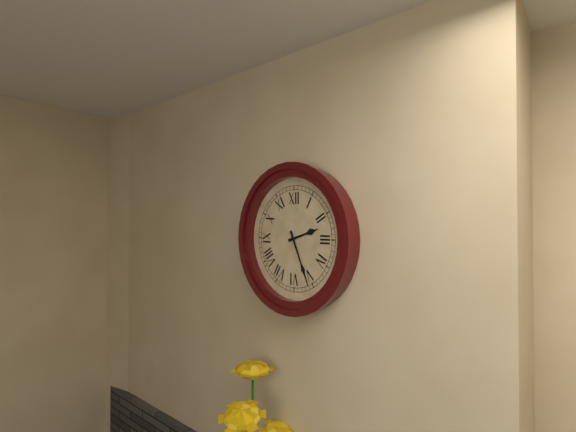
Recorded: {"hour": 2, "minute": 26}
